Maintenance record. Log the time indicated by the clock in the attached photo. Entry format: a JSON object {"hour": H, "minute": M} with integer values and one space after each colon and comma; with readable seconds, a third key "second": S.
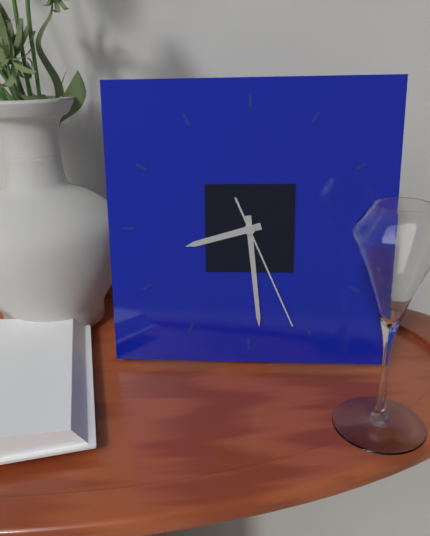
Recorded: {"hour": 8, "minute": 29, "second": 26}
